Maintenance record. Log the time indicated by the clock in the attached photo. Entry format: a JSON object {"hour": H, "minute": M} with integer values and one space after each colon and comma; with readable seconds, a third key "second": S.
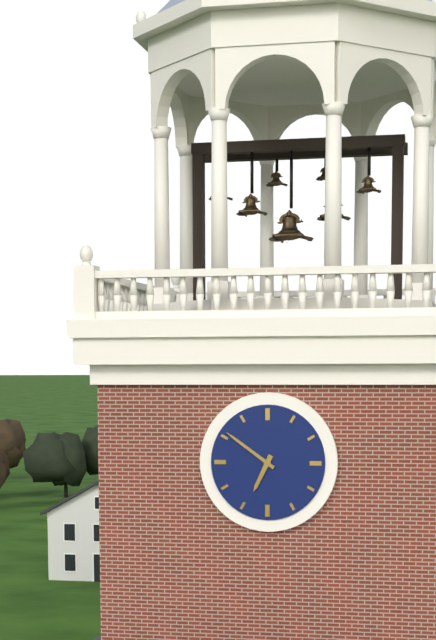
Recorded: {"hour": 6, "minute": 51}
